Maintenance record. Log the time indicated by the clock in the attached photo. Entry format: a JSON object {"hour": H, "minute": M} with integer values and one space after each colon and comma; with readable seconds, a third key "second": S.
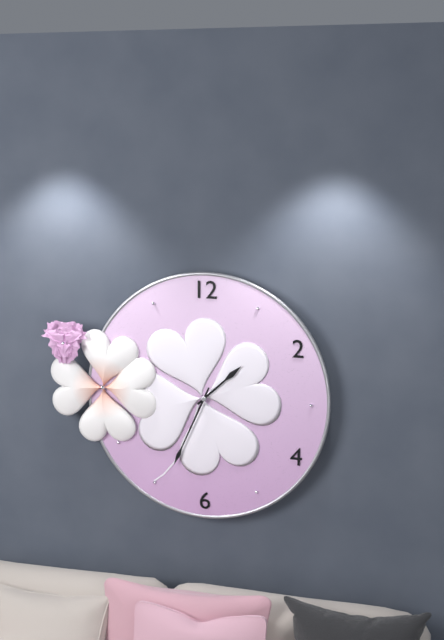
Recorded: {"hour": 1, "minute": 34}
